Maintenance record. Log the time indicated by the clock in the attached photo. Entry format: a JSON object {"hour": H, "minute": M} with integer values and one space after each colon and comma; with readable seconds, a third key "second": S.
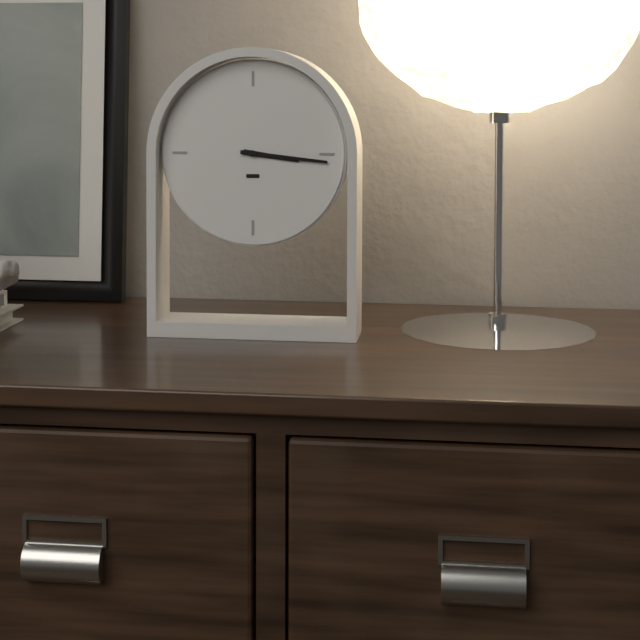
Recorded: {"hour": 3, "minute": 16}
